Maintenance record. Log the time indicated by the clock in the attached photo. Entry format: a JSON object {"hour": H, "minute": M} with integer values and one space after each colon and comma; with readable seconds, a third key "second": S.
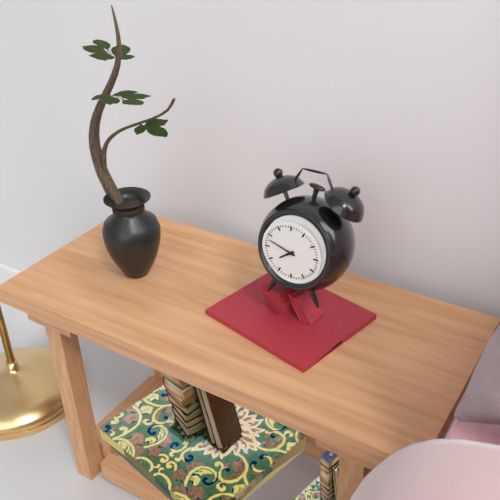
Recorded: {"hour": 7, "minute": 48}
